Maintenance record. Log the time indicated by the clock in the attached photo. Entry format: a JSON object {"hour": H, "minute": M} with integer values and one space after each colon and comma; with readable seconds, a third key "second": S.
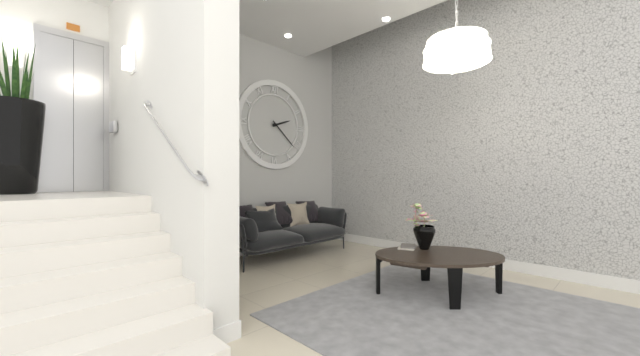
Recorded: {"hour": 2, "minute": 22}
